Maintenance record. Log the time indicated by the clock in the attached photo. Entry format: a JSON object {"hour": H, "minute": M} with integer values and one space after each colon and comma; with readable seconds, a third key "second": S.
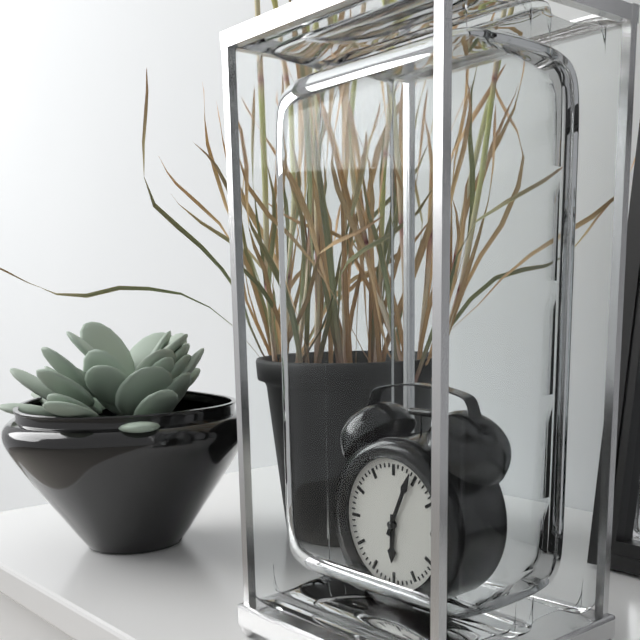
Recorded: {"hour": 6, "minute": 4}
